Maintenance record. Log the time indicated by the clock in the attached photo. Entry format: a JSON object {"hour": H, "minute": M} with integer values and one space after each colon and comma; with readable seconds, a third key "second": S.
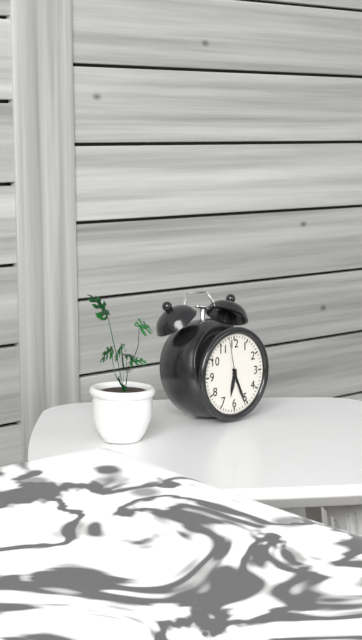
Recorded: {"hour": 6, "minute": 26}
